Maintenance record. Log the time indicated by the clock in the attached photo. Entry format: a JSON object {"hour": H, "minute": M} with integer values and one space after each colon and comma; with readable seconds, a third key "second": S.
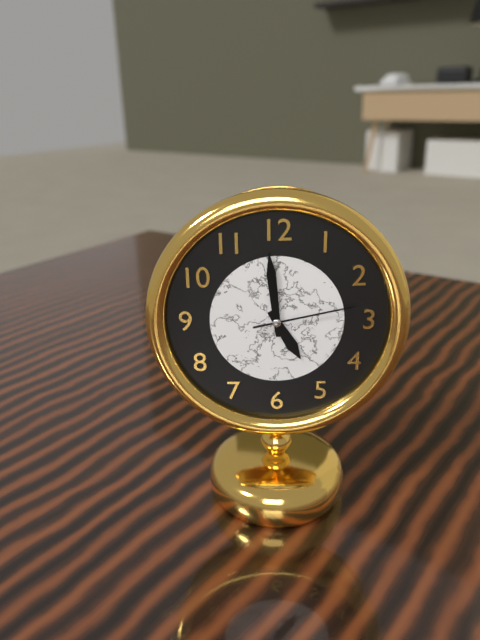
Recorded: {"hour": 4, "minute": 59, "second": 13}
